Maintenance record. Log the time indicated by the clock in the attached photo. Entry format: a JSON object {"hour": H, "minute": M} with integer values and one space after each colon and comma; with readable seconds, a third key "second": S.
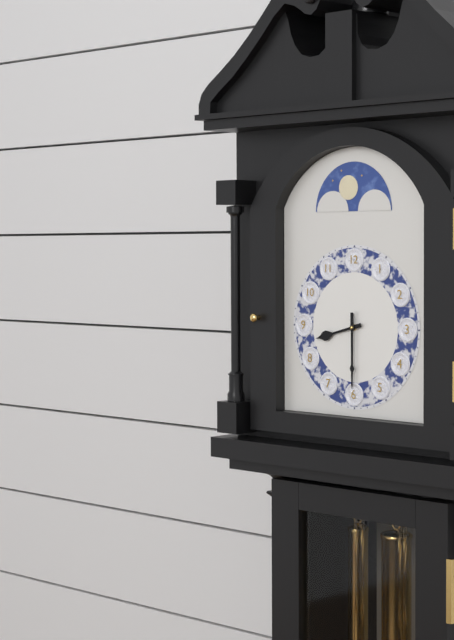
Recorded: {"hour": 8, "minute": 30}
